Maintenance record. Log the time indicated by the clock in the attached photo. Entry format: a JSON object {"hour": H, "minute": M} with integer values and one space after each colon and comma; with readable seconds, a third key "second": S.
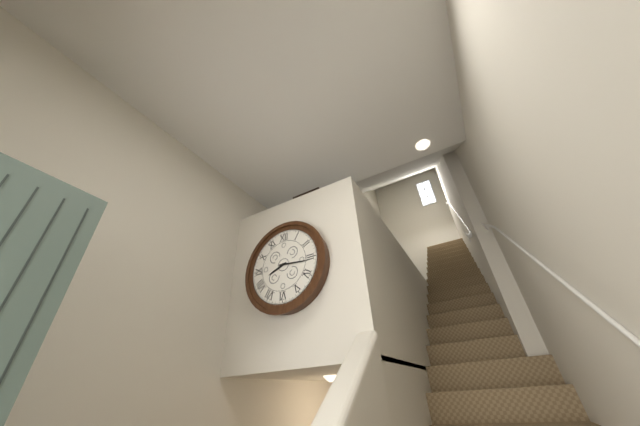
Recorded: {"hour": 8, "minute": 16}
